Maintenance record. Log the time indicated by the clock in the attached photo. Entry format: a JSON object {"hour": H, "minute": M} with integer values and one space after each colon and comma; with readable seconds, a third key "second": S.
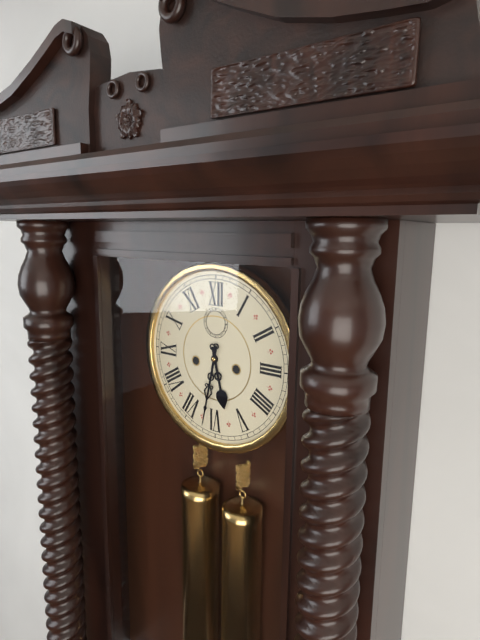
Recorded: {"hour": 5, "minute": 32}
